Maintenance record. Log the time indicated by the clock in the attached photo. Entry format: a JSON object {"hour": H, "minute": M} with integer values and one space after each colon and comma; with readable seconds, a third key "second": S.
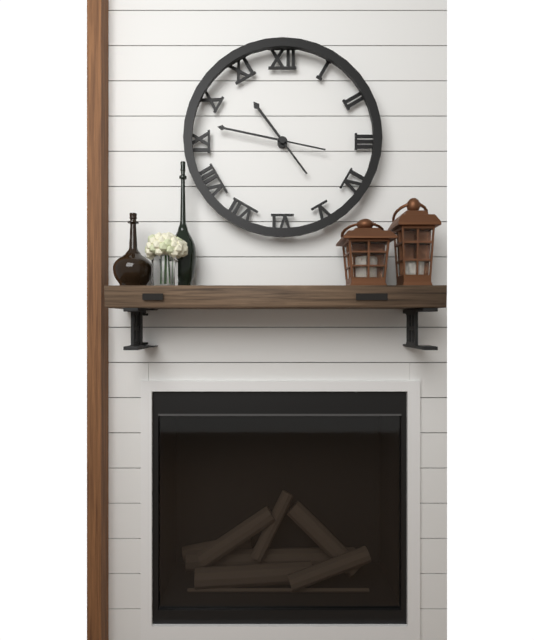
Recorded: {"hour": 10, "minute": 47}
